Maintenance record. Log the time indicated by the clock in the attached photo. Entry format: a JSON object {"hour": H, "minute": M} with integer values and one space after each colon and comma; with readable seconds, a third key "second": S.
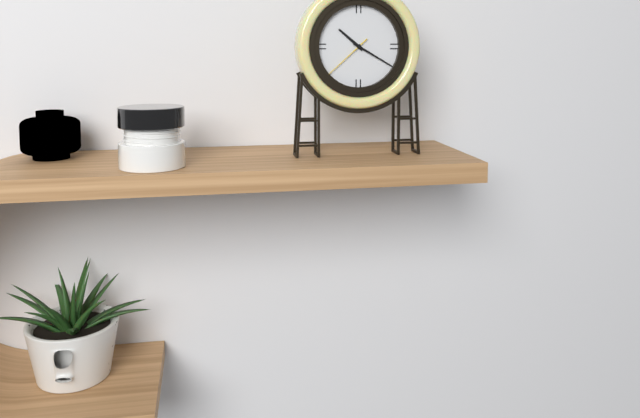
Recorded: {"hour": 10, "minute": 20, "second": 38}
